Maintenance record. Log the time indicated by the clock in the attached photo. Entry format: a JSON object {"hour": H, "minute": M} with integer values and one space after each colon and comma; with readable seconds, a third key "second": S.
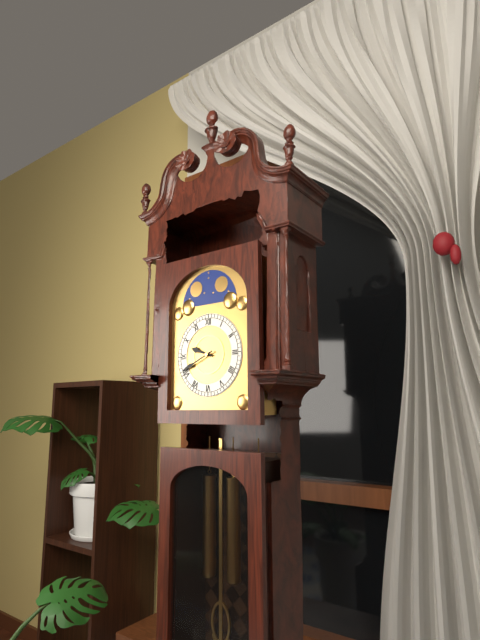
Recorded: {"hour": 9, "minute": 41}
